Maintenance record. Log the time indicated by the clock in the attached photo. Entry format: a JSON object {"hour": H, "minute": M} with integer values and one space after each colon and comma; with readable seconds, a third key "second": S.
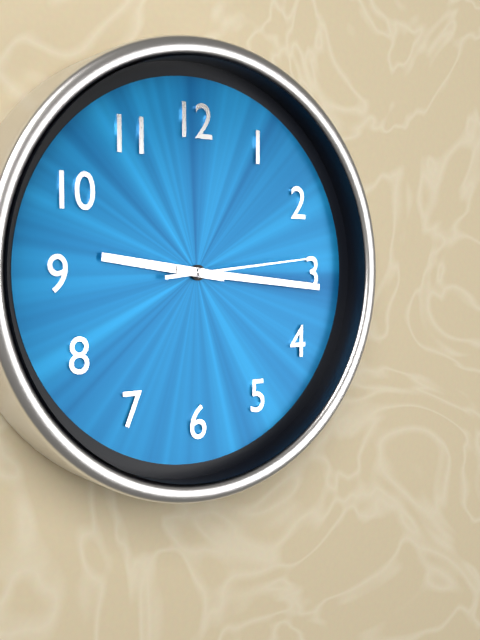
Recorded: {"hour": 9, "minute": 16, "second": 14}
